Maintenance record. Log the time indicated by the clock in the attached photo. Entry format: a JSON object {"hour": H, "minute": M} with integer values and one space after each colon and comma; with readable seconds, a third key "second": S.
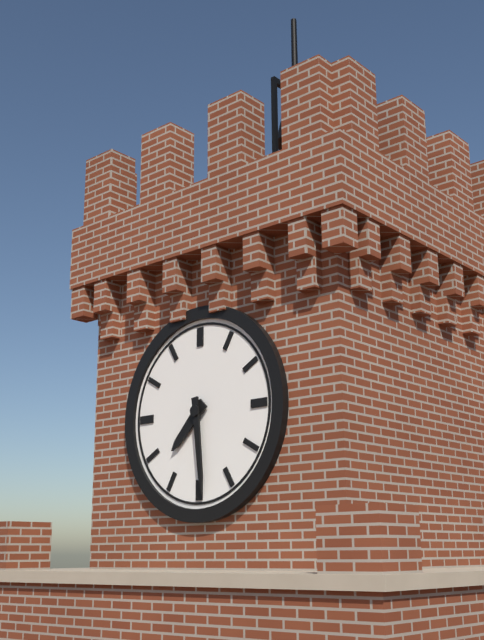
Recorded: {"hour": 7, "minute": 29}
